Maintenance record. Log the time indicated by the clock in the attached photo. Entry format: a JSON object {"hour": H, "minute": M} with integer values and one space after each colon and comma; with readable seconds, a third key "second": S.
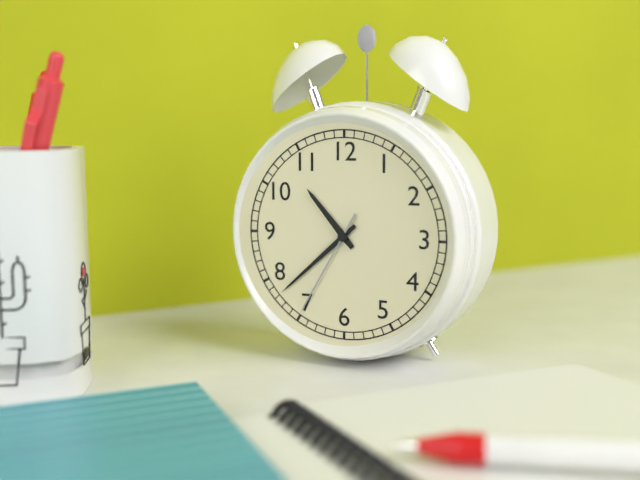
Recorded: {"hour": 10, "minute": 38, "second": 35}
